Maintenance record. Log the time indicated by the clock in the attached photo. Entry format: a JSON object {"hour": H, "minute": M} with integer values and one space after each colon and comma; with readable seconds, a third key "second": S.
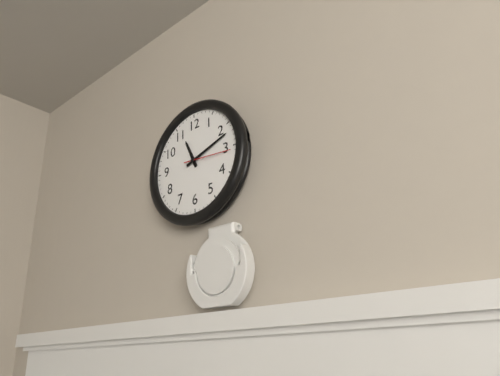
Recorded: {"hour": 11, "minute": 12}
